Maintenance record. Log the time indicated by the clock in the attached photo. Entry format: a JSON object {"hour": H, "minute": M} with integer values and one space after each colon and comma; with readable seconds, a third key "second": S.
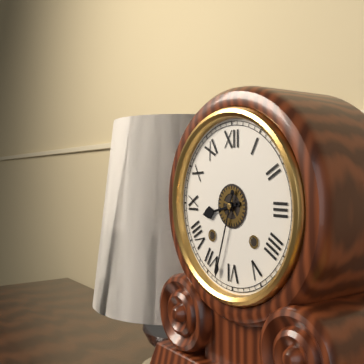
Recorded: {"hour": 8, "minute": 33}
